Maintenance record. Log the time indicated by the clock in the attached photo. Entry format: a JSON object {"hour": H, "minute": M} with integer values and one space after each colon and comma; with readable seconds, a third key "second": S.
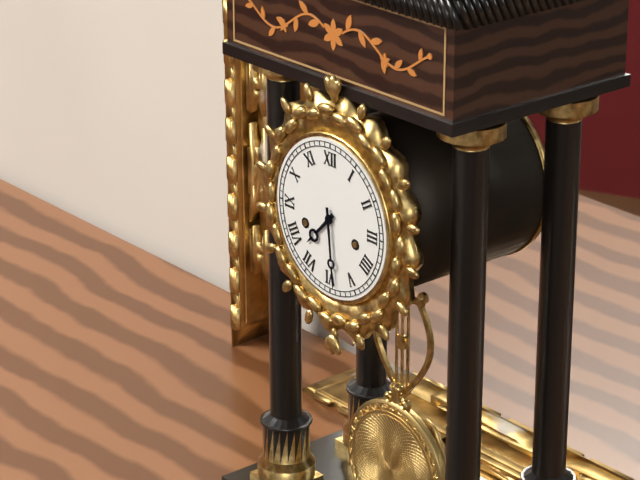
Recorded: {"hour": 7, "minute": 29}
